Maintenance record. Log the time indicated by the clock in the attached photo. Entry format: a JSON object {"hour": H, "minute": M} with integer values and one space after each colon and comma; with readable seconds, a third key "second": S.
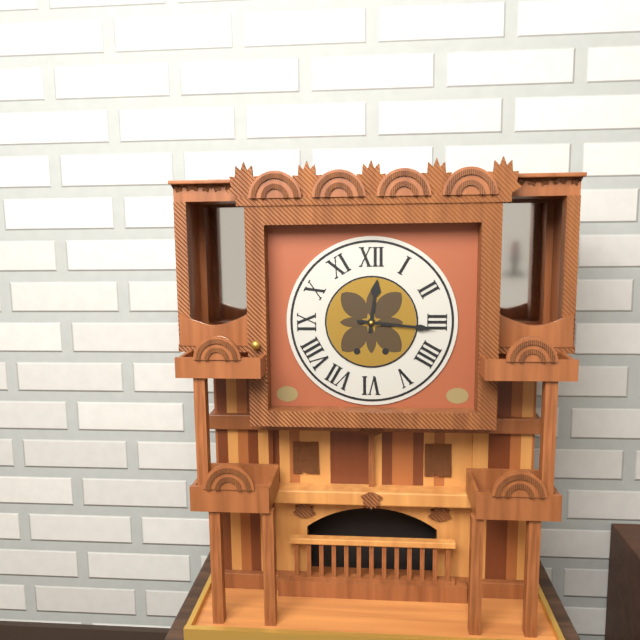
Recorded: {"hour": 12, "minute": 16}
